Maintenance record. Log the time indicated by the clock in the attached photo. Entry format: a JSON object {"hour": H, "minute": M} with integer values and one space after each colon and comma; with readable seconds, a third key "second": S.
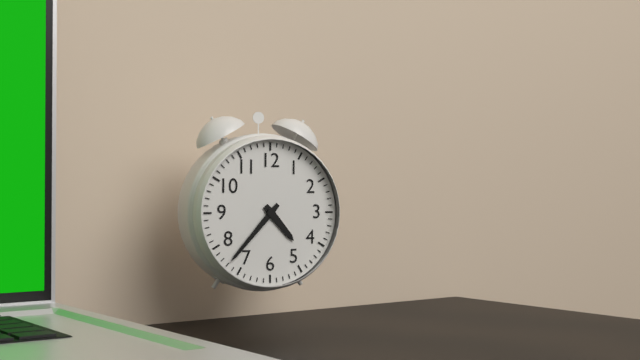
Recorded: {"hour": 4, "minute": 37}
